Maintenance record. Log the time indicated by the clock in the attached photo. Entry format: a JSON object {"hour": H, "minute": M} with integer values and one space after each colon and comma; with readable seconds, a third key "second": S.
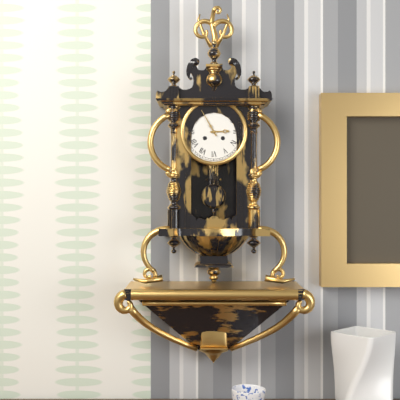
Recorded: {"hour": 2, "minute": 55}
